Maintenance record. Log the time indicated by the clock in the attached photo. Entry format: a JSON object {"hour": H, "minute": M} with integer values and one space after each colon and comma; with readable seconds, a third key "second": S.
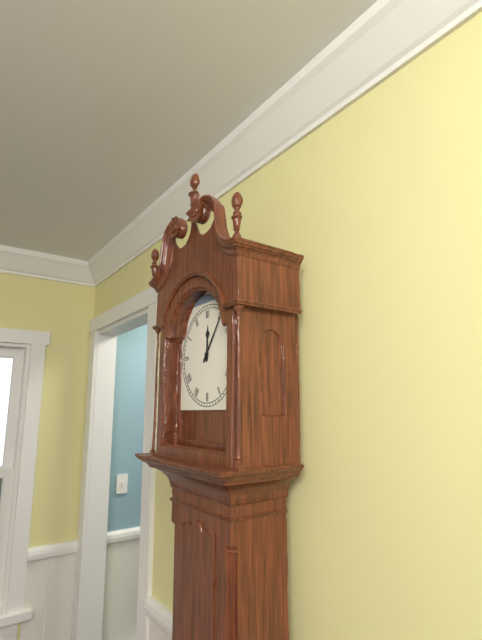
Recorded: {"hour": 12, "minute": 6}
